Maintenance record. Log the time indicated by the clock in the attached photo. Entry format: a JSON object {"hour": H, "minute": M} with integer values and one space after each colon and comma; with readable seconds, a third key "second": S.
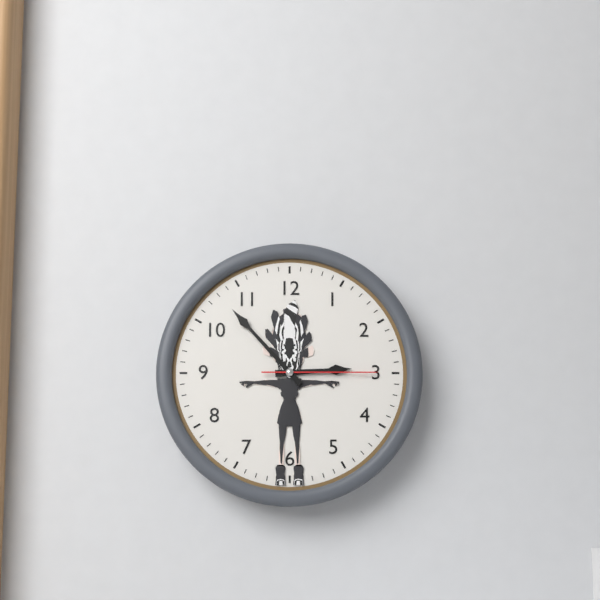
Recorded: {"hour": 2, "minute": 53, "second": 15}
